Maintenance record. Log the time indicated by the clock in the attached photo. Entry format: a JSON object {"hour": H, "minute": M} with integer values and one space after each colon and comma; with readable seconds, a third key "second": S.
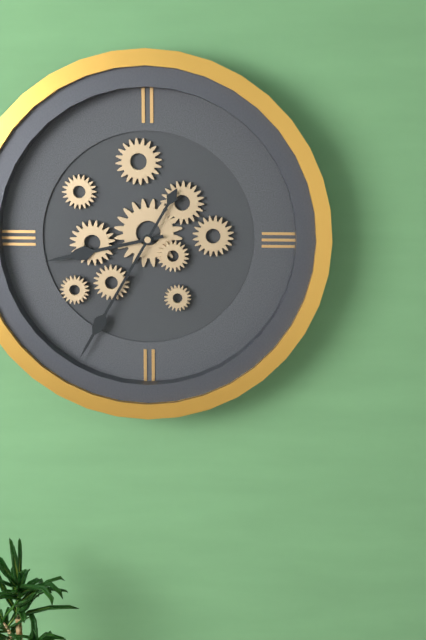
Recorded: {"hour": 8, "minute": 35}
